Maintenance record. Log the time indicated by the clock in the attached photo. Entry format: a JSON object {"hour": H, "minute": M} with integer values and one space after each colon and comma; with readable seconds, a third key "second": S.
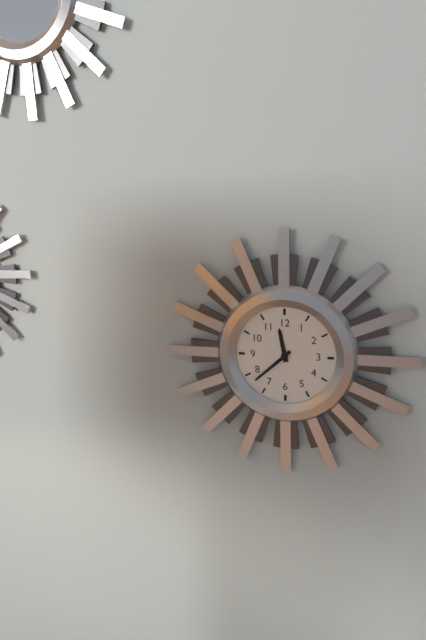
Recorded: {"hour": 11, "minute": 38}
